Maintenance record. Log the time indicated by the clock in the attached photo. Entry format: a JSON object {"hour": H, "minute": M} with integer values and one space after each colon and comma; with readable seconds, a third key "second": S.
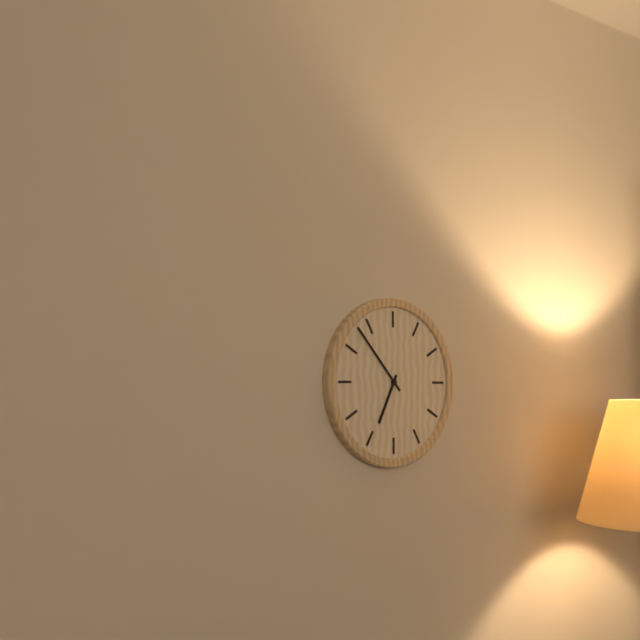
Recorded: {"hour": 6, "minute": 53}
